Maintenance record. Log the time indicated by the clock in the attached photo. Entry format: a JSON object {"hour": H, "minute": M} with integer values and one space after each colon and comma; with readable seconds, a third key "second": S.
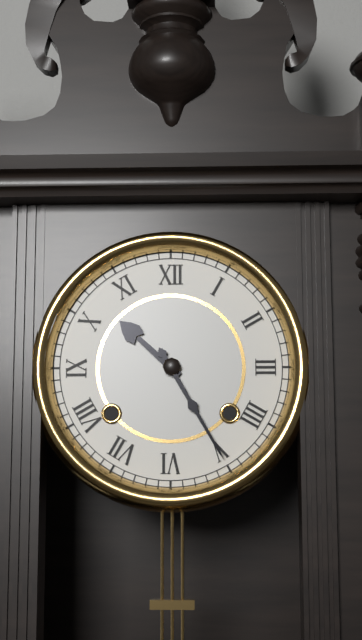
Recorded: {"hour": 10, "minute": 25}
